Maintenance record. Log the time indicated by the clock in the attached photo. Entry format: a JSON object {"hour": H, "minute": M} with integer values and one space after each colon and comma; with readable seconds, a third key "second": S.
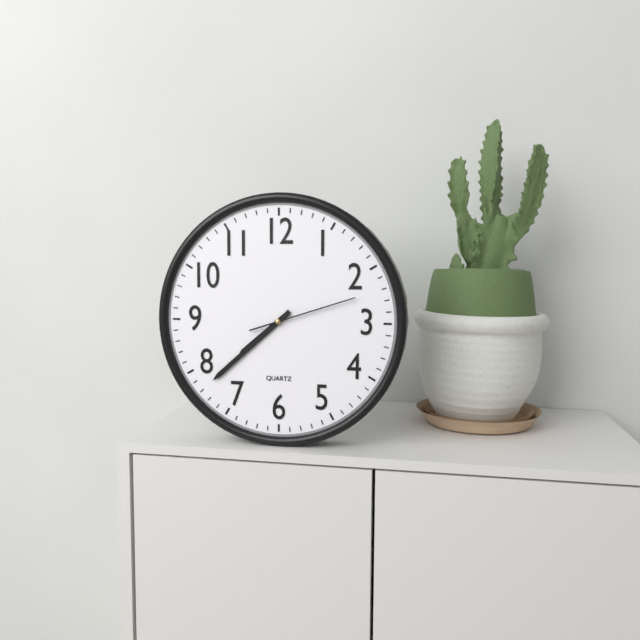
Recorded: {"hour": 7, "minute": 38, "second": 12}
